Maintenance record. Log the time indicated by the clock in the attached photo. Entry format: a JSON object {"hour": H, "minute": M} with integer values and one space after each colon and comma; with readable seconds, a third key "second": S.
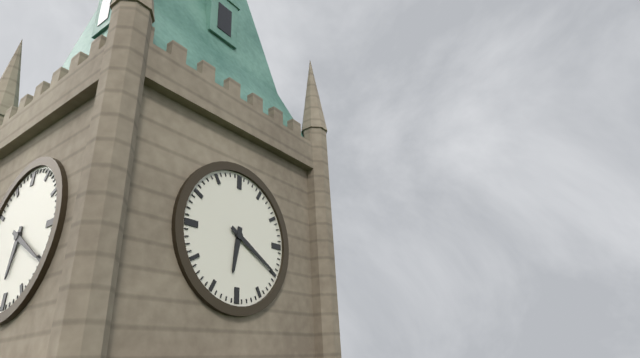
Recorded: {"hour": 6, "minute": 20}
